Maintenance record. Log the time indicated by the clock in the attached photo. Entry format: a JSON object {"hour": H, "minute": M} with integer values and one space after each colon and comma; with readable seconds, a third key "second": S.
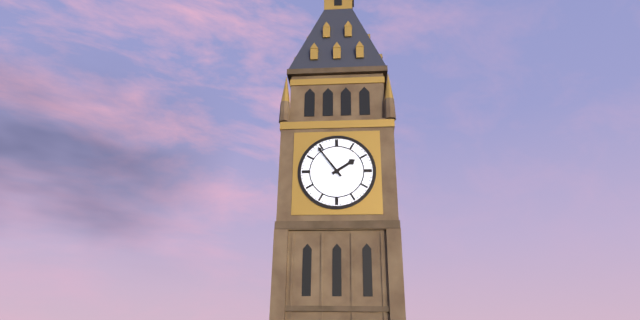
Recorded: {"hour": 1, "minute": 54}
